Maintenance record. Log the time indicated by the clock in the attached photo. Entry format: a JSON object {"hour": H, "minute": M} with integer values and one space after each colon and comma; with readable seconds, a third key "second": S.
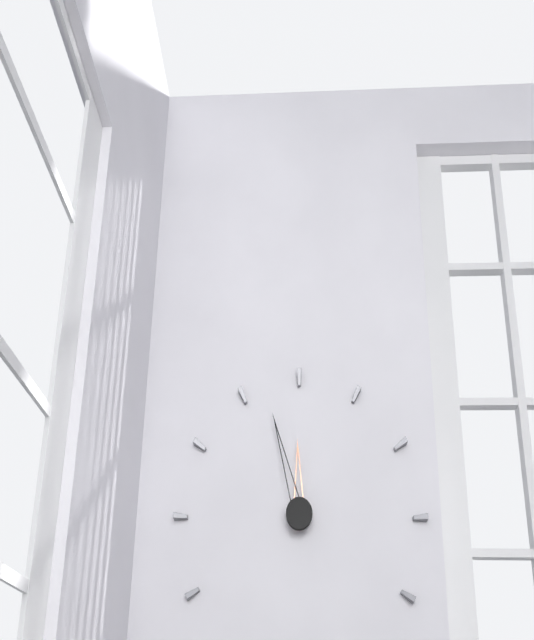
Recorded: {"hour": 11, "minute": 57}
